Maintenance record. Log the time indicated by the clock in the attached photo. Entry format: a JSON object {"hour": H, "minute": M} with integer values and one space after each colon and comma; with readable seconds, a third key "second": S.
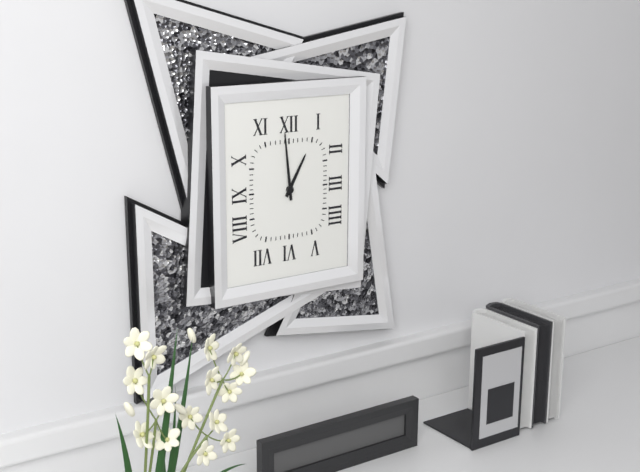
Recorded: {"hour": 12, "minute": 59}
